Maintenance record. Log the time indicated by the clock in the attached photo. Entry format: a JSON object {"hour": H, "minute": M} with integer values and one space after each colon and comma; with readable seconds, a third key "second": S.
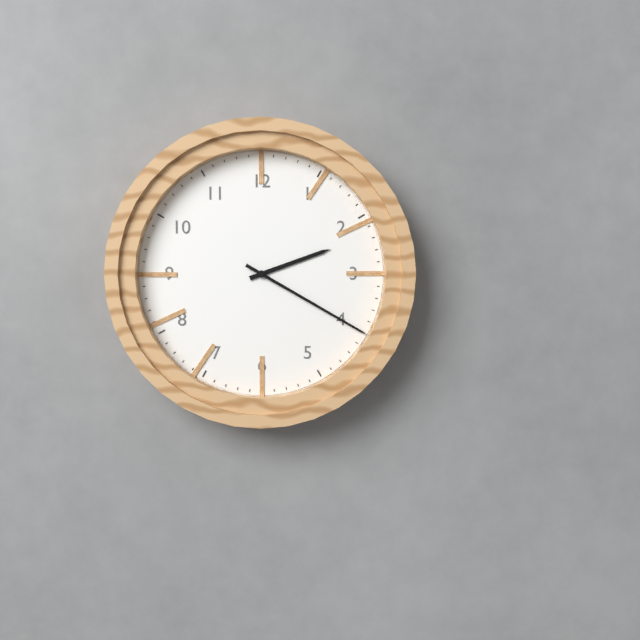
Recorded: {"hour": 2, "minute": 20}
